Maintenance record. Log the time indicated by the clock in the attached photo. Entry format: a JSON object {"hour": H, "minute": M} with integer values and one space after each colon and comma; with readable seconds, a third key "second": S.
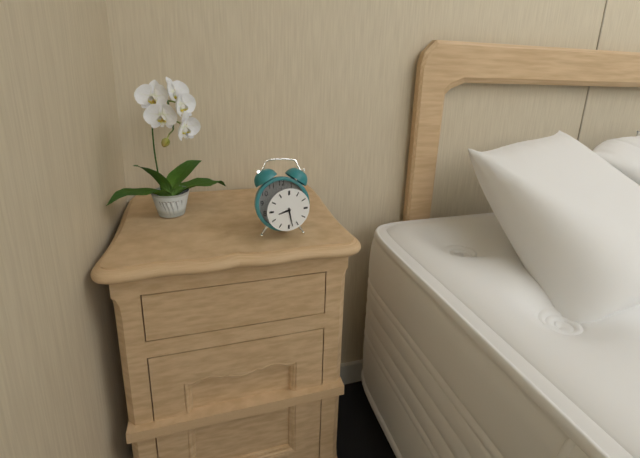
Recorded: {"hour": 8, "minute": 28}
